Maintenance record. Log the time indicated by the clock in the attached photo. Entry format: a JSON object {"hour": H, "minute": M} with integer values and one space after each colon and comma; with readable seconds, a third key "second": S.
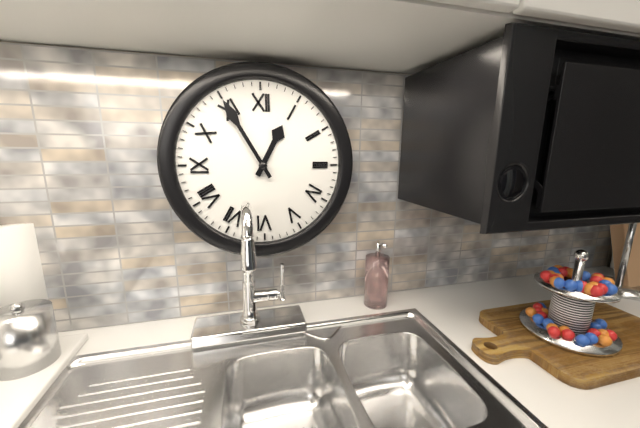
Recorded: {"hour": 12, "minute": 55}
